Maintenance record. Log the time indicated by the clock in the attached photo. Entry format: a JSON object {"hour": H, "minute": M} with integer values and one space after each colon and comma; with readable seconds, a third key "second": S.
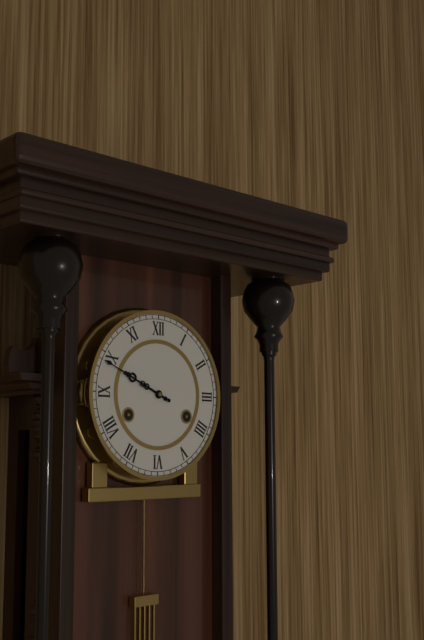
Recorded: {"hour": 9, "minute": 49}
